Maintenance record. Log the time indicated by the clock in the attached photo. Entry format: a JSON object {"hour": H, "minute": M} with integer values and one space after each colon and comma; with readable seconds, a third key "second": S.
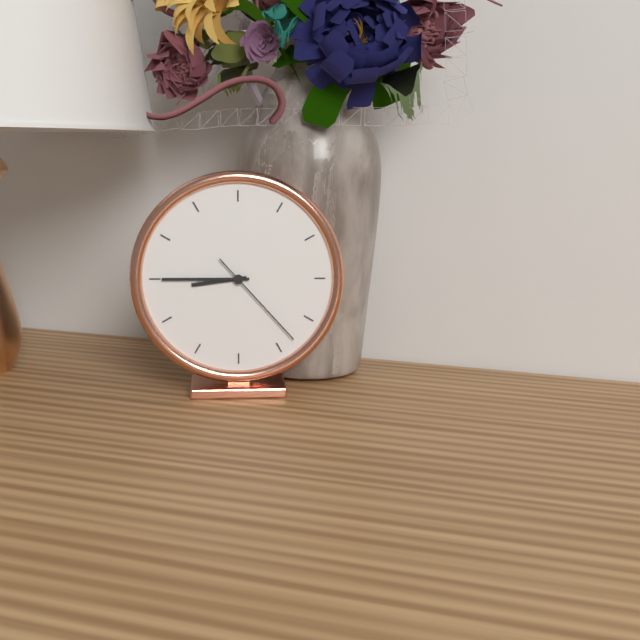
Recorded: {"hour": 8, "minute": 45, "second": 23}
